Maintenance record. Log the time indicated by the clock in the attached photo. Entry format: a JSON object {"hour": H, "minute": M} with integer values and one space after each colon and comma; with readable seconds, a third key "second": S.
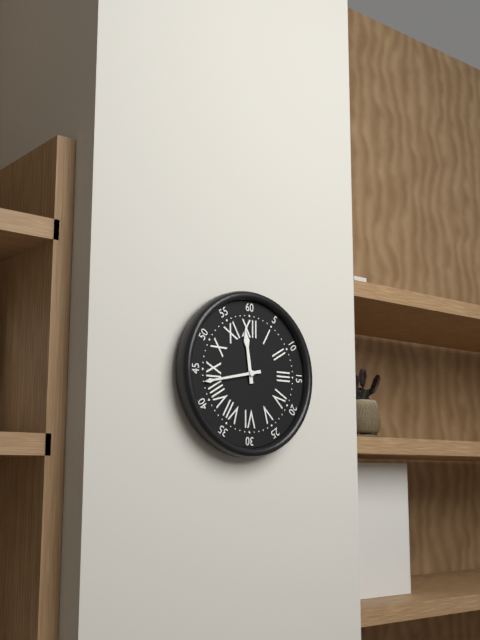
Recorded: {"hour": 11, "minute": 43}
